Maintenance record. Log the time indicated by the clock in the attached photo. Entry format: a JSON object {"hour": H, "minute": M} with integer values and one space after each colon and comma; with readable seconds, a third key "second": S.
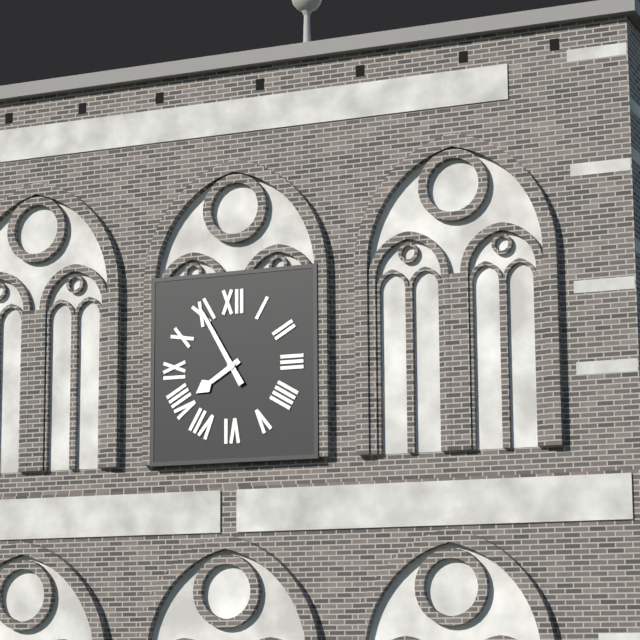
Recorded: {"hour": 7, "minute": 55}
